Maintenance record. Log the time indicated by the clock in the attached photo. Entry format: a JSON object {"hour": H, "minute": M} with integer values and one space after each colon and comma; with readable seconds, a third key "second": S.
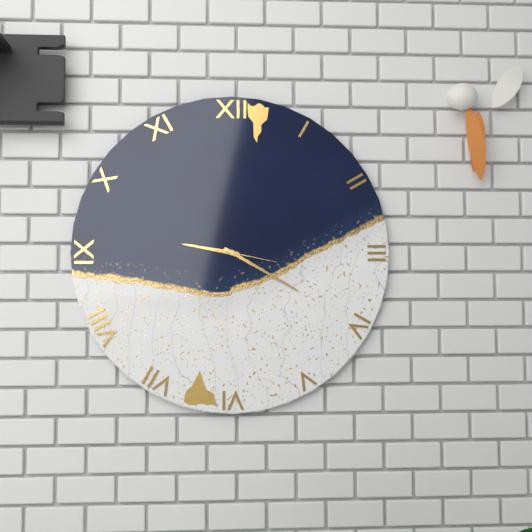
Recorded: {"hour": 9, "minute": 20, "second": 17}
